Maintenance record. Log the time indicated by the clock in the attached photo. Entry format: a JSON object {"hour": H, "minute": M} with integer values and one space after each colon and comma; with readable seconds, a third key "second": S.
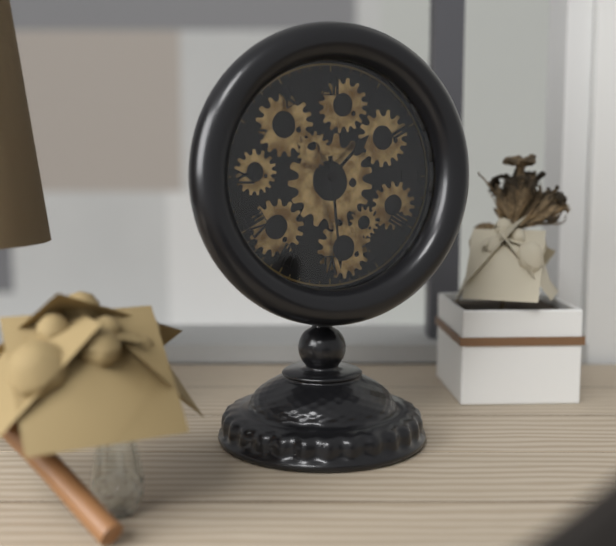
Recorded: {"hour": 1, "minute": 29}
